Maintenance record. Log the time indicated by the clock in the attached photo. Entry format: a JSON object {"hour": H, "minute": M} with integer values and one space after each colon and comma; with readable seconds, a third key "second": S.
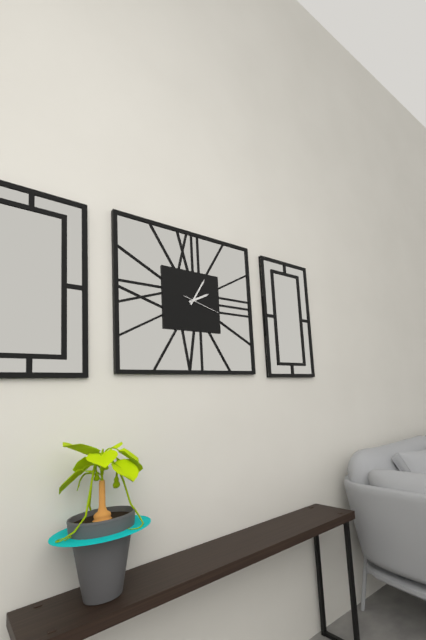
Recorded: {"hour": 2, "minute": 5}
